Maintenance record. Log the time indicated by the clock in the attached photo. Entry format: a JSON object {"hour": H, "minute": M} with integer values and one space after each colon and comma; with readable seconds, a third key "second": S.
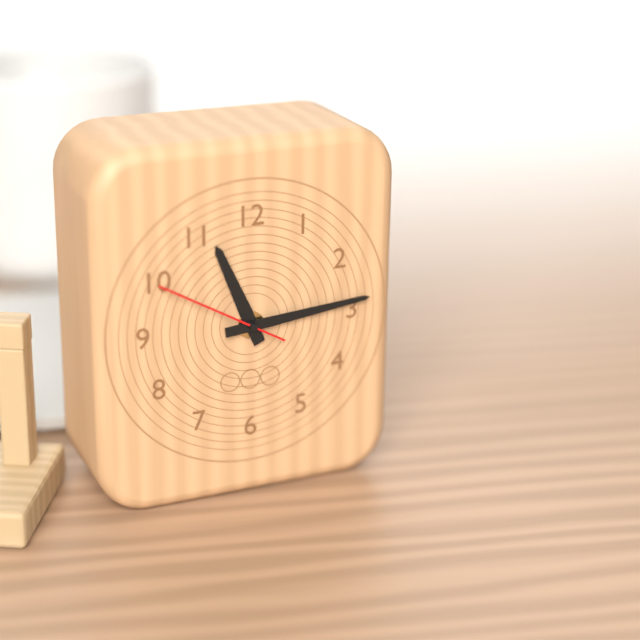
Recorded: {"hour": 11, "minute": 14, "second": 50}
